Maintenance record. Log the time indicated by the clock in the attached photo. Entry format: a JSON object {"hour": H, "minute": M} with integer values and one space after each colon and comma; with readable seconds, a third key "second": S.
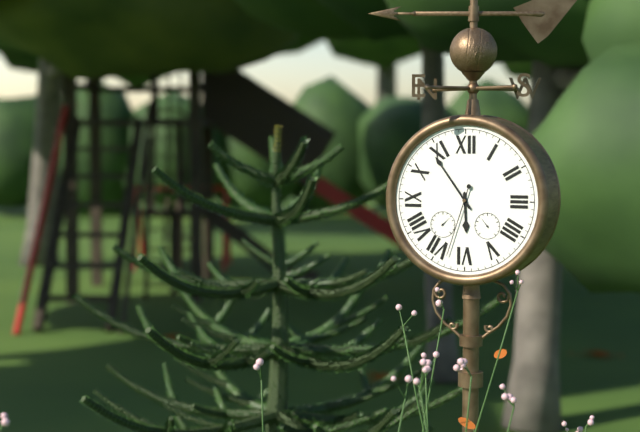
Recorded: {"hour": 5, "minute": 54, "second": 33}
